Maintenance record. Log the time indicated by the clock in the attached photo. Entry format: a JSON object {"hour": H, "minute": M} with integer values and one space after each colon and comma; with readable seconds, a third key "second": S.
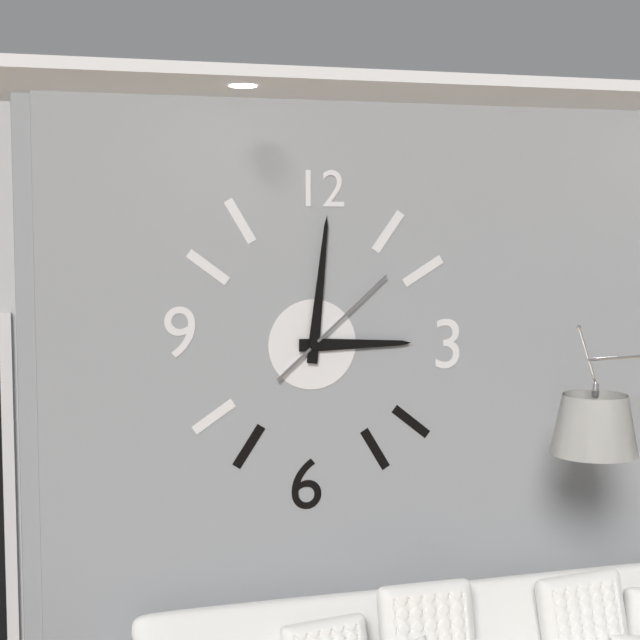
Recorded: {"hour": 3, "minute": 1, "second": 8}
